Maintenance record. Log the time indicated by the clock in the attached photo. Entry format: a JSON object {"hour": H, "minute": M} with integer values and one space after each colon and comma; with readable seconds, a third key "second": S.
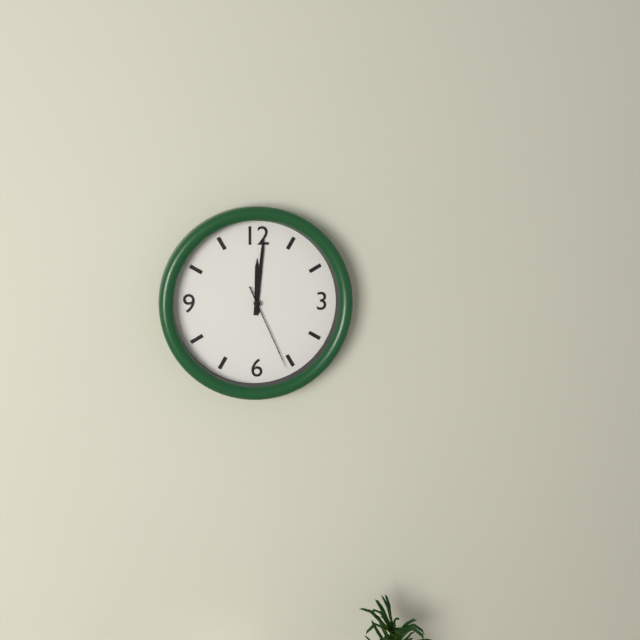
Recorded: {"hour": 12, "minute": 1, "second": 26}
